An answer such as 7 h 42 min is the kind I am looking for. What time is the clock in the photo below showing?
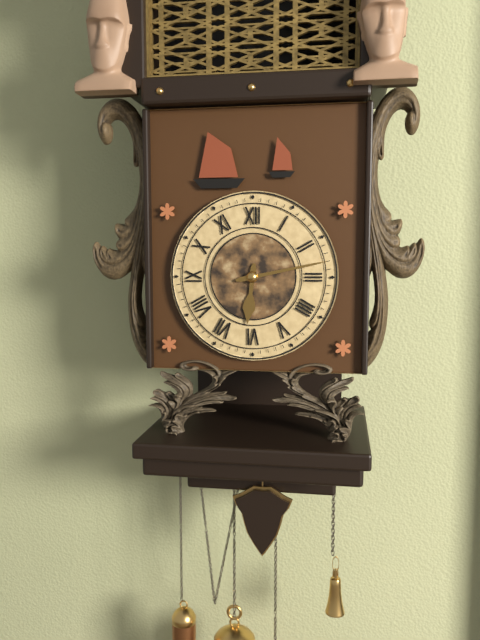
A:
6 h 13 min
